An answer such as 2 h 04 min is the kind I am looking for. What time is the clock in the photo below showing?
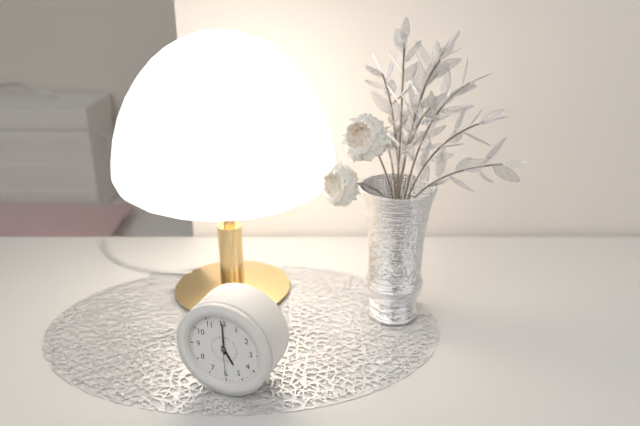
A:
5 h 00 min
